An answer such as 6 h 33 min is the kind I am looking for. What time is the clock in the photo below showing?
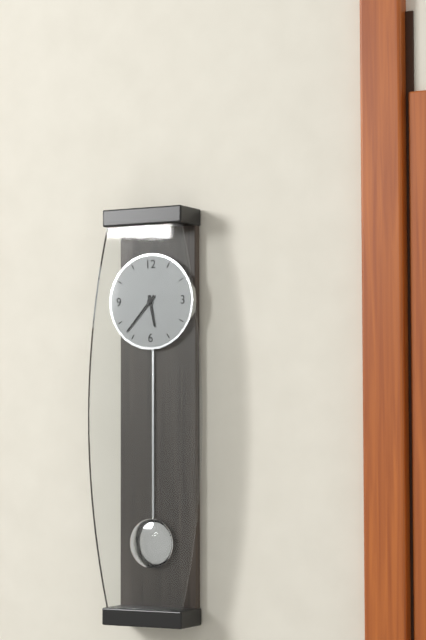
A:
5 h 37 min
